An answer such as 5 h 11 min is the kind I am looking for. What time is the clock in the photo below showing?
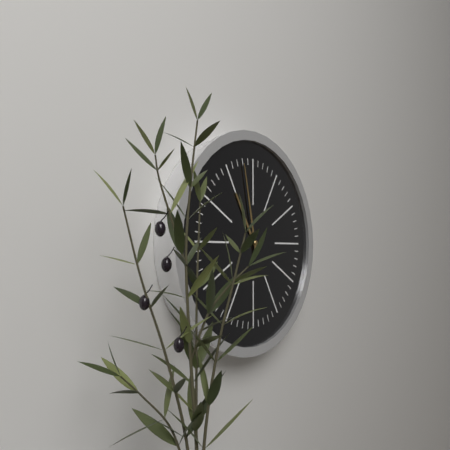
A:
10 h 58 min
